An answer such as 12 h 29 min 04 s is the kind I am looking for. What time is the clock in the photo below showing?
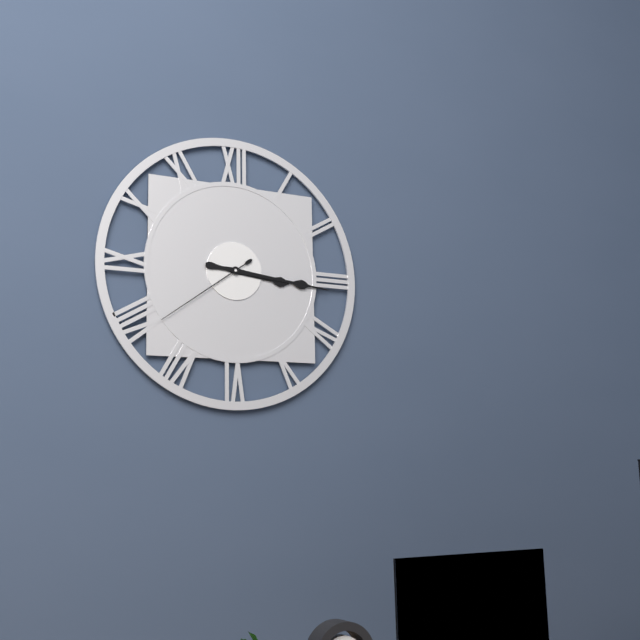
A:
3 h 16 min 39 s
